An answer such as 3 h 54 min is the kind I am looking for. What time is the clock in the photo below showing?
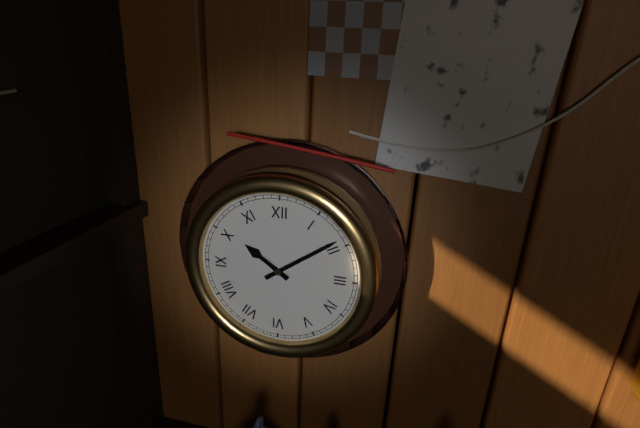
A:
10 h 09 min
